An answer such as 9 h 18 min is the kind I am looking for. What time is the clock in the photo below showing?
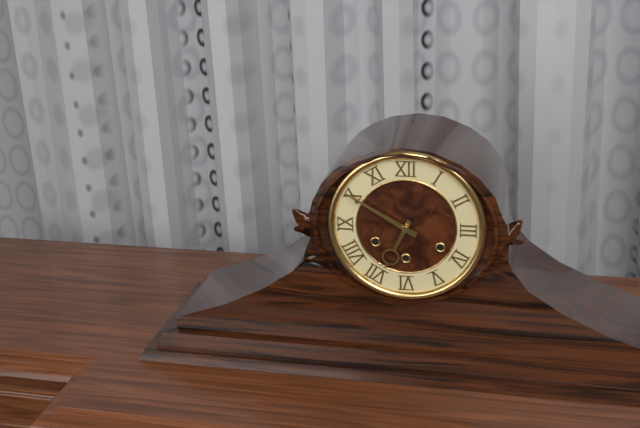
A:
6 h 50 min
